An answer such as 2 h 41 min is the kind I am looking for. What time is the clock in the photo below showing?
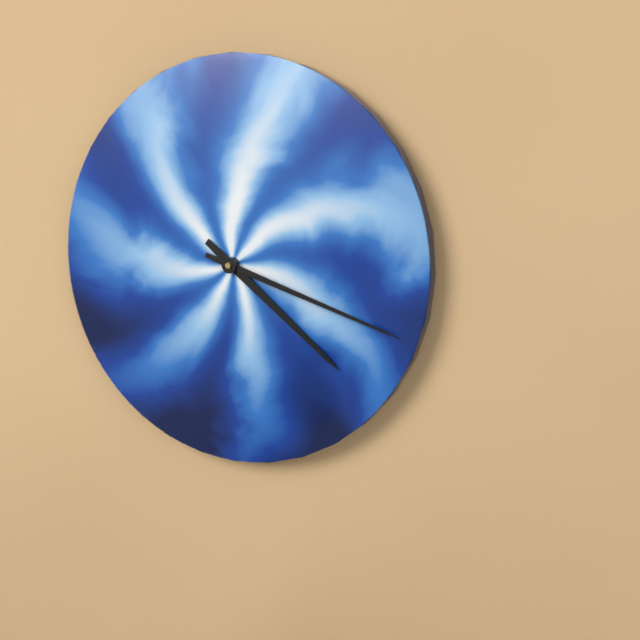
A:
4 h 18 min
